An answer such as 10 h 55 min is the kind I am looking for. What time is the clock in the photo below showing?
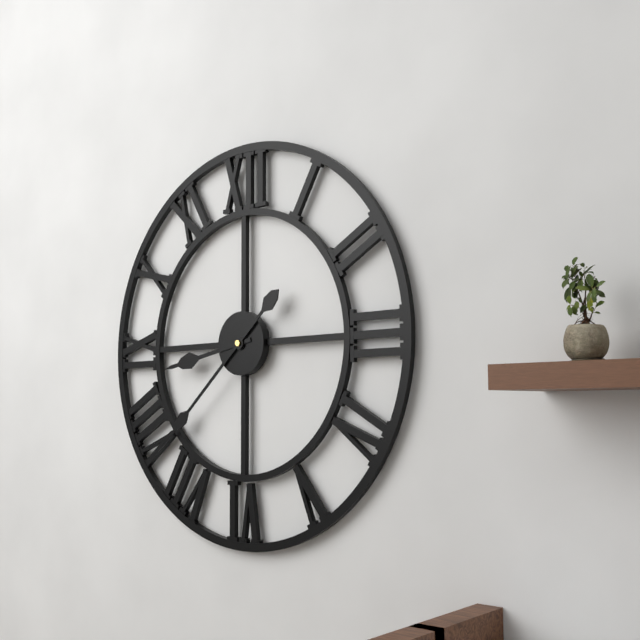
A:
8 h 38 min
